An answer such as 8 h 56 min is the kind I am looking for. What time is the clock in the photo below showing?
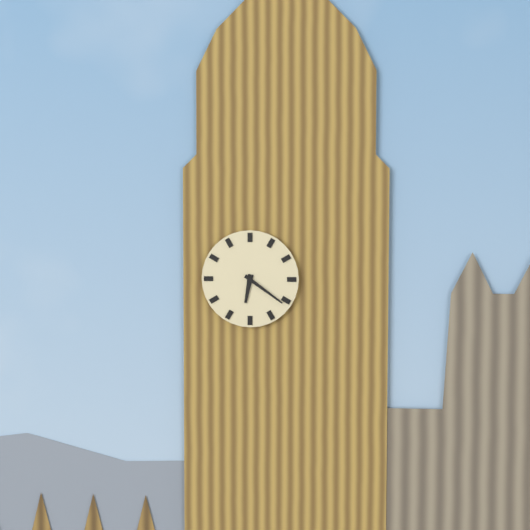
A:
6 h 21 min
